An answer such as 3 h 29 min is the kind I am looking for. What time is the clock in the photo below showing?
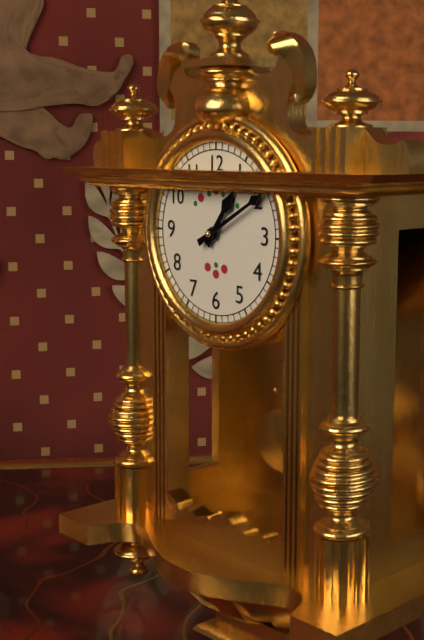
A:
1 h 10 min
